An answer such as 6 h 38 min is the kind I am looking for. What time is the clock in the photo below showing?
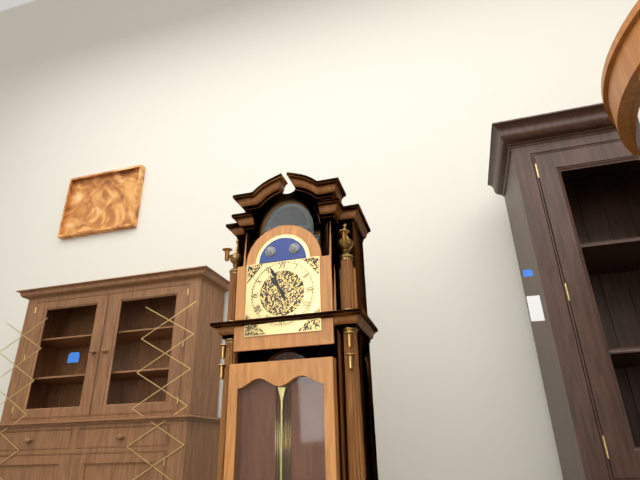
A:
10 h 56 min
